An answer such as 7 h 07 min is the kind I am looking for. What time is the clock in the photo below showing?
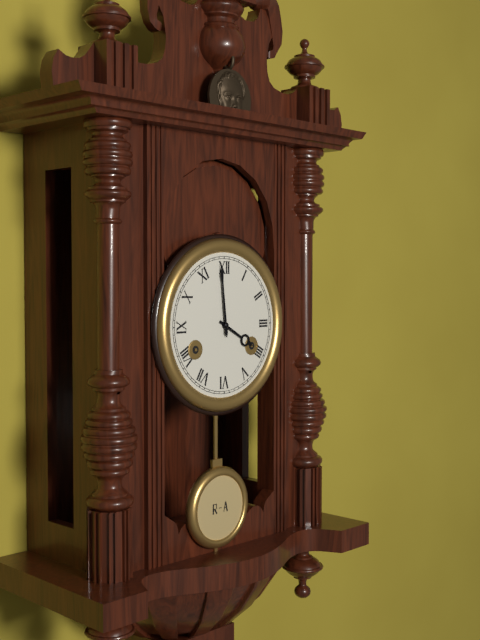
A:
3 h 59 min
